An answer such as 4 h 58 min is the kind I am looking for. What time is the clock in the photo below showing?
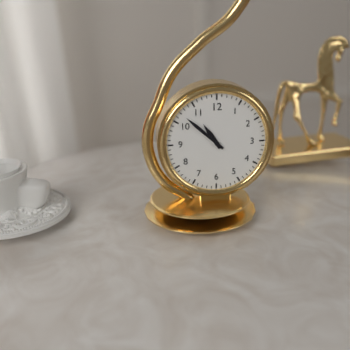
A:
10 h 52 min
